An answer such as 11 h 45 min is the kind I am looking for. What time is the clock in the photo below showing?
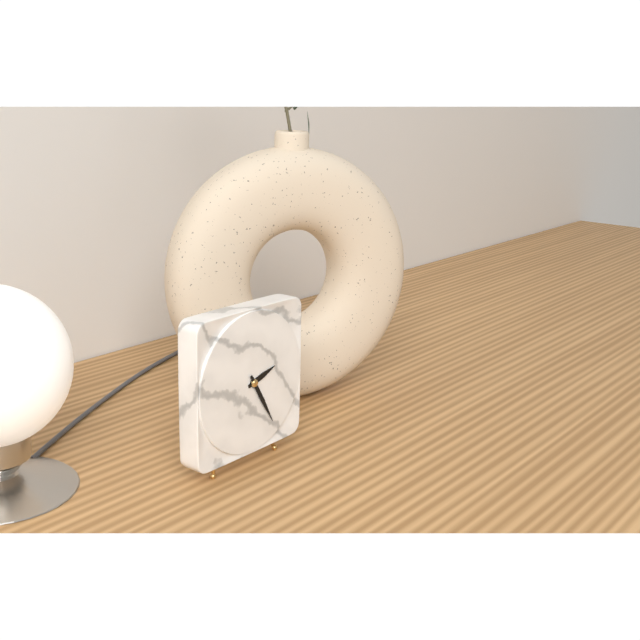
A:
2 h 25 min
